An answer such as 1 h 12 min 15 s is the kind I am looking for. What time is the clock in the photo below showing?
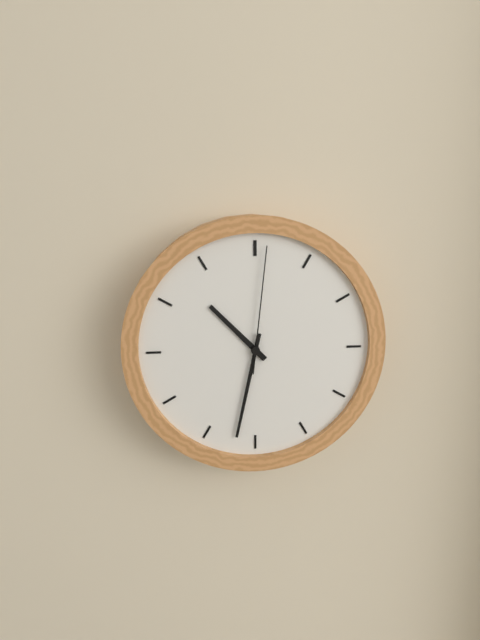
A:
10 h 32 min 01 s
